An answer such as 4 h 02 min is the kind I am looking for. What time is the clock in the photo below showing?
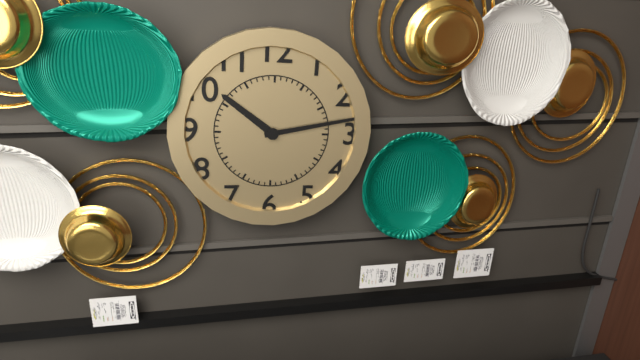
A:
10 h 13 min
